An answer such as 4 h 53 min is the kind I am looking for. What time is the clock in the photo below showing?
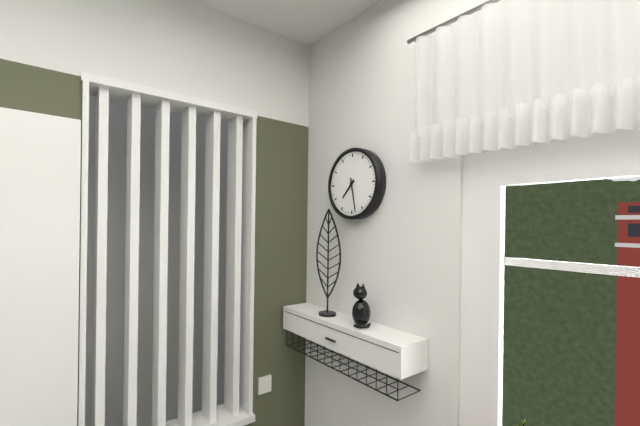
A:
7 h 28 min
